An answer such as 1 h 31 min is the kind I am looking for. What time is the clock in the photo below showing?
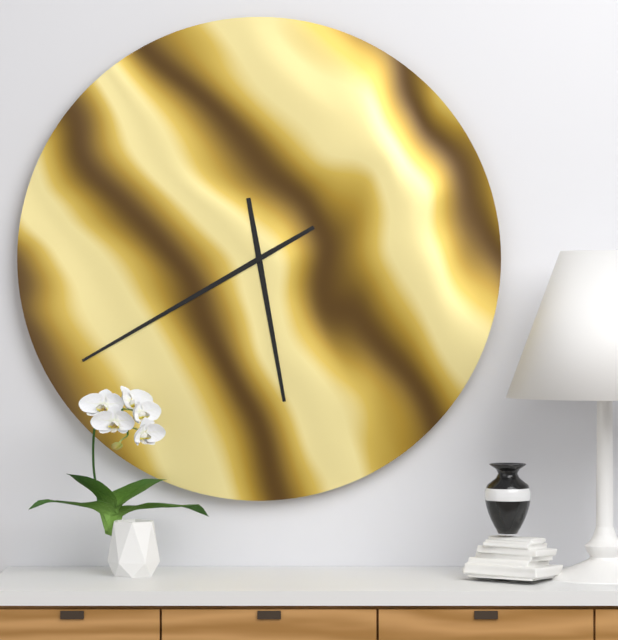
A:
5 h 40 min
